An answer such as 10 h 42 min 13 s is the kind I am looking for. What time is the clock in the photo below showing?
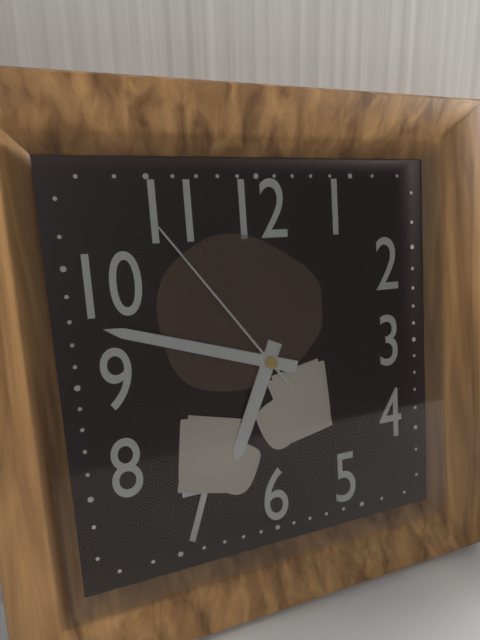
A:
6 h 48 min 54 s
